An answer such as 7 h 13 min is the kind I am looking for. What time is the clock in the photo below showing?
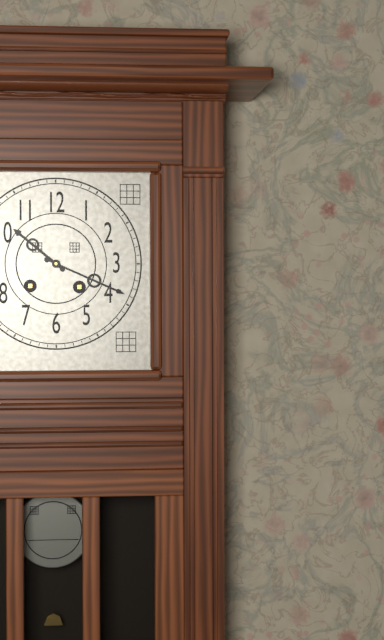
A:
10 h 19 min
